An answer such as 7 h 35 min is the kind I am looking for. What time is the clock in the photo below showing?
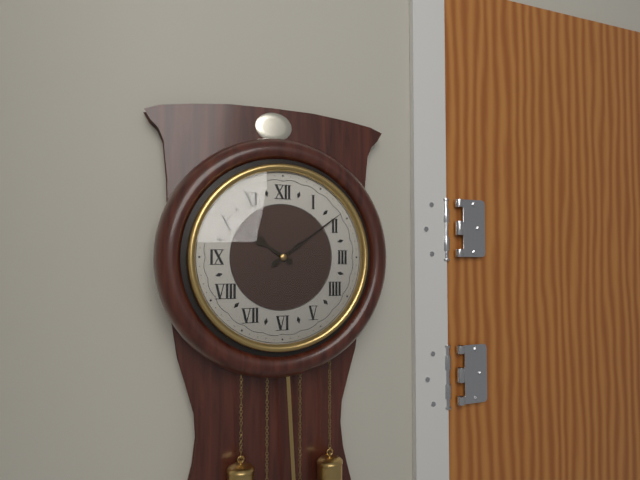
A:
10 h 09 min
